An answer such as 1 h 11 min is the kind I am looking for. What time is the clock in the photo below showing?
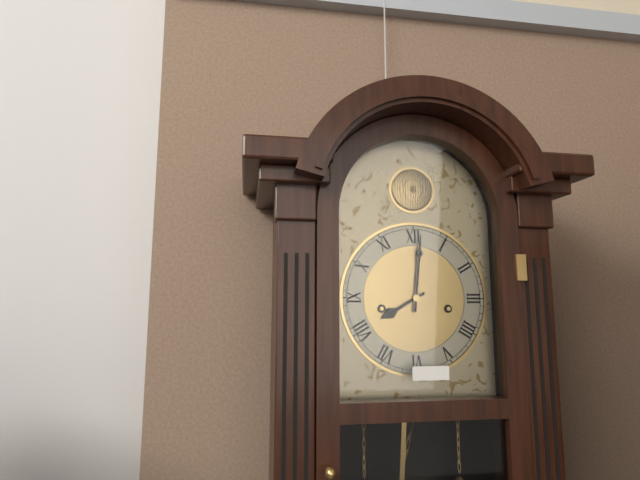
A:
8 h 01 min
